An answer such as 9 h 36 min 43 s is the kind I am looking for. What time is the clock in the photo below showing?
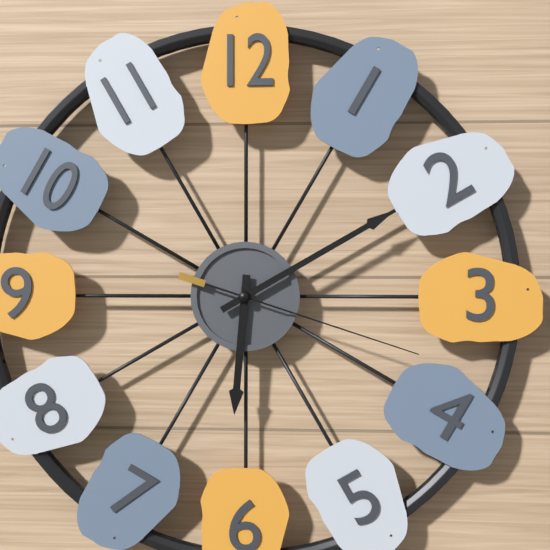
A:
6 h 10 min 18 s
